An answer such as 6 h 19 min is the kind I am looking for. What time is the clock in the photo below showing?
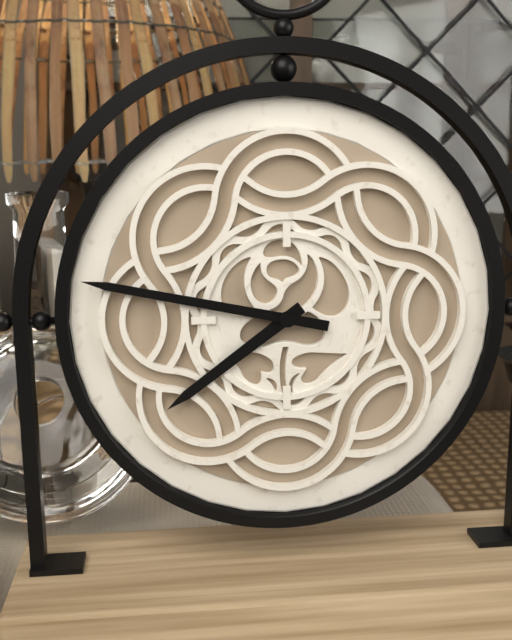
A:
7 h 47 min
